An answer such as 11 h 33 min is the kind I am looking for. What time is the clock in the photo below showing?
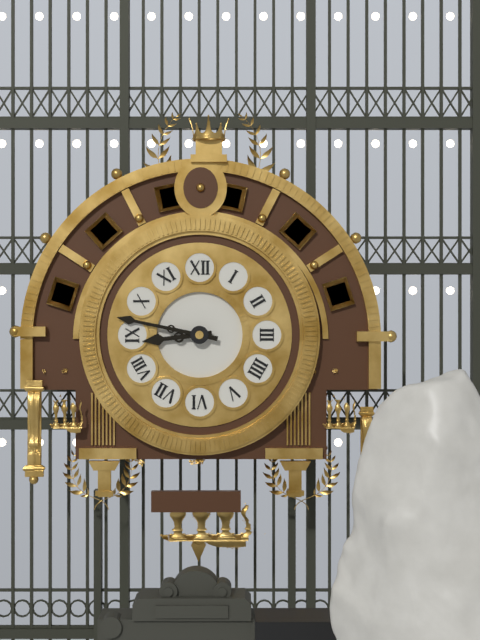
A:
8 h 47 min
